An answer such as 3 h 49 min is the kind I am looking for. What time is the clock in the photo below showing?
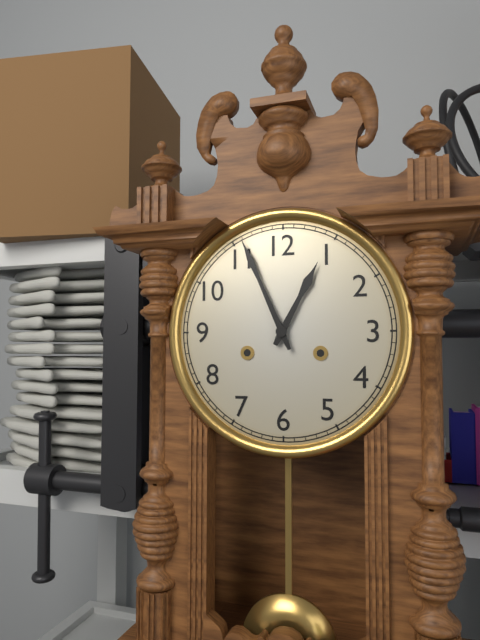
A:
12 h 56 min
